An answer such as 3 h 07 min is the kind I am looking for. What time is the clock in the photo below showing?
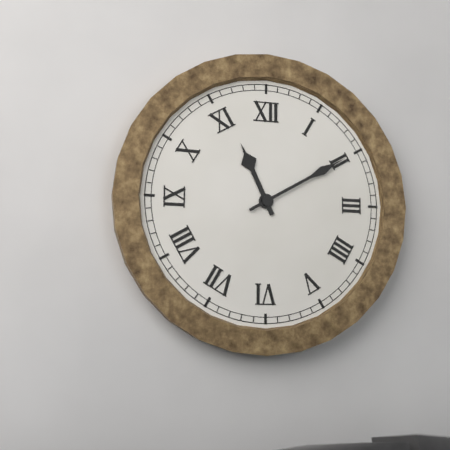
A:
11 h 10 min
